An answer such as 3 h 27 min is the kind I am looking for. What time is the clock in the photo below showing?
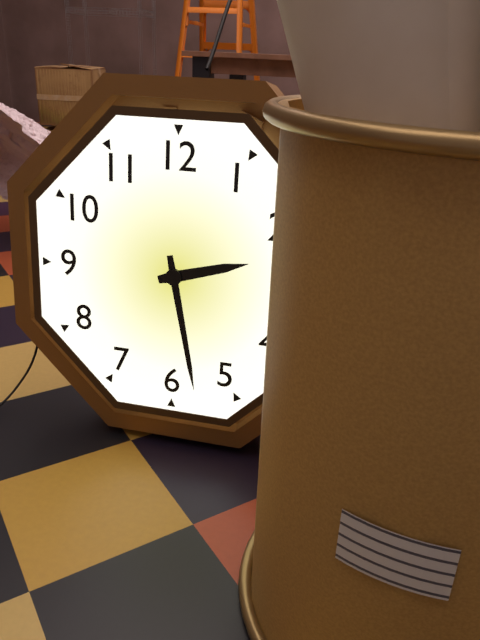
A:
2 h 28 min
